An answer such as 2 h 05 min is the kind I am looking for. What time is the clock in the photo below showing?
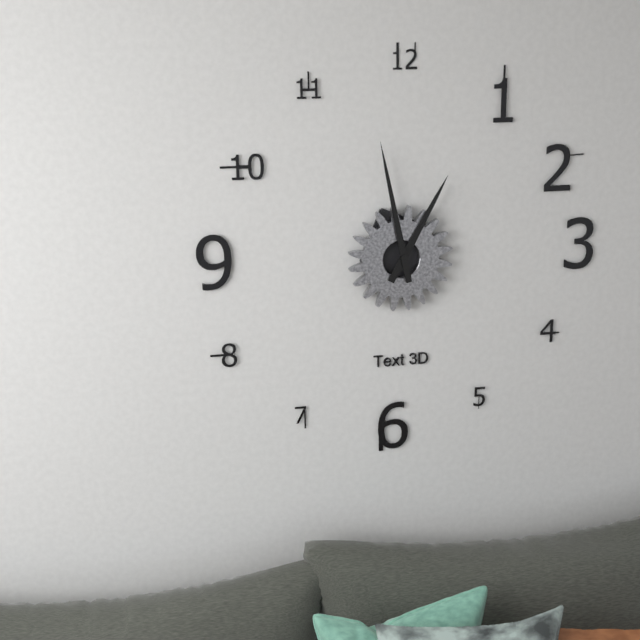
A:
12 h 58 min
